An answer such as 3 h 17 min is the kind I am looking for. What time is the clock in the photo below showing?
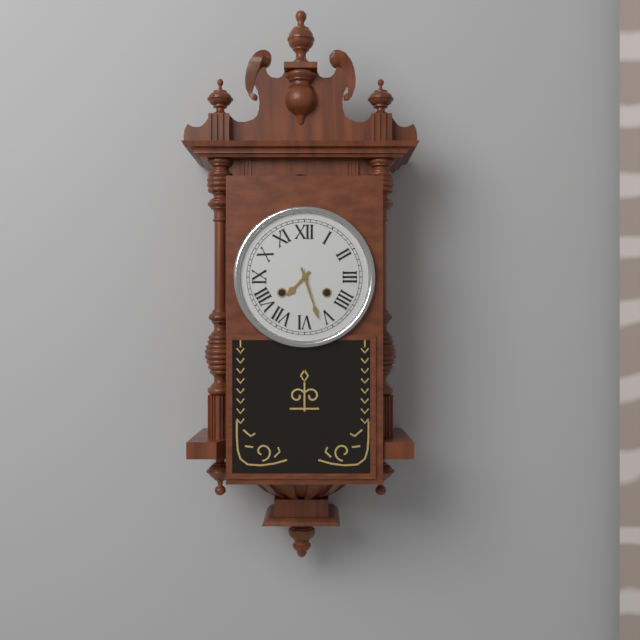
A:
7 h 27 min
